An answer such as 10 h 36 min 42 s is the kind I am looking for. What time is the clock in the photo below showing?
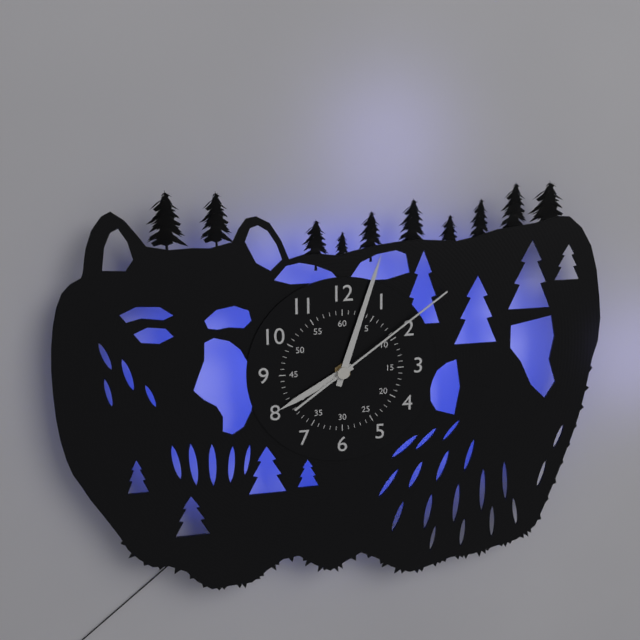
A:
8 h 03 min 09 s
